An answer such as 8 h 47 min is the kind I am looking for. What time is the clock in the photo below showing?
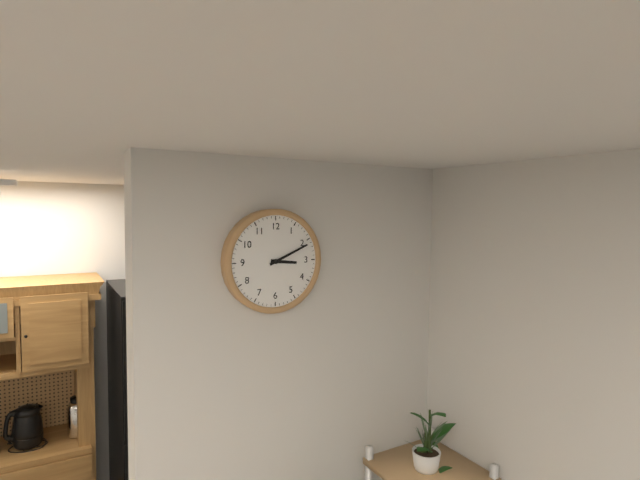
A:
3 h 11 min
